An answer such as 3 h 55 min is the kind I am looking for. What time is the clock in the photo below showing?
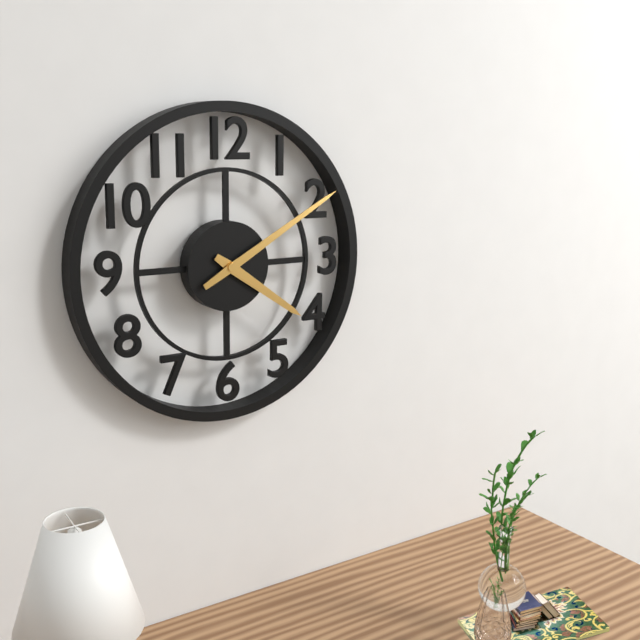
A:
4 h 10 min
